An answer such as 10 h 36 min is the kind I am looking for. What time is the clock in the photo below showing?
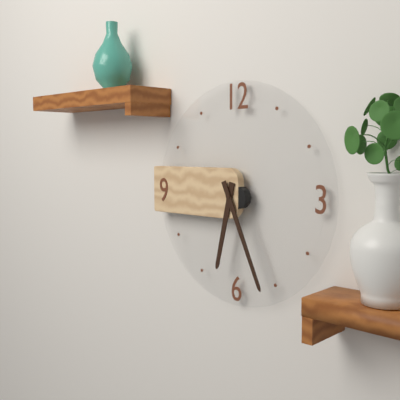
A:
6 h 26 min
